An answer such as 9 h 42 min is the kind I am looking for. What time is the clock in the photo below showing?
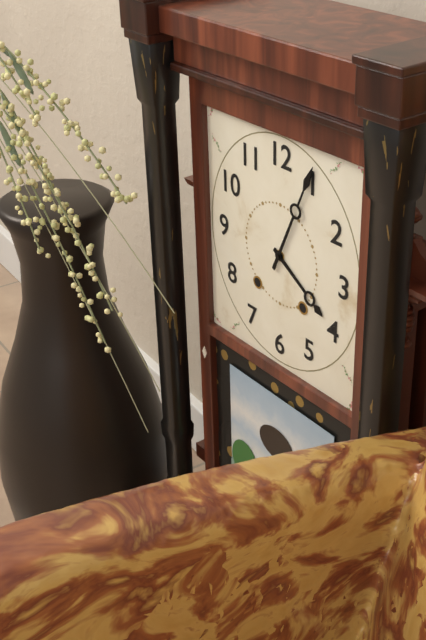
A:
4 h 04 min
